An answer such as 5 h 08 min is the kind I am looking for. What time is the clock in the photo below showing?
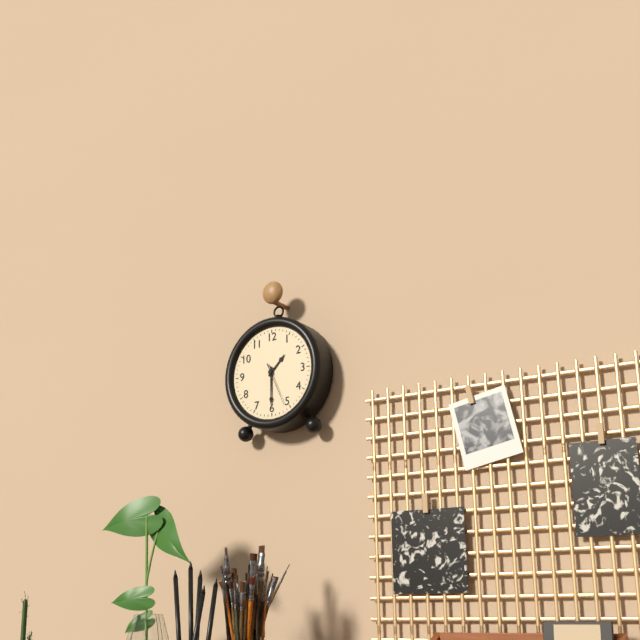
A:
1 h 30 min
